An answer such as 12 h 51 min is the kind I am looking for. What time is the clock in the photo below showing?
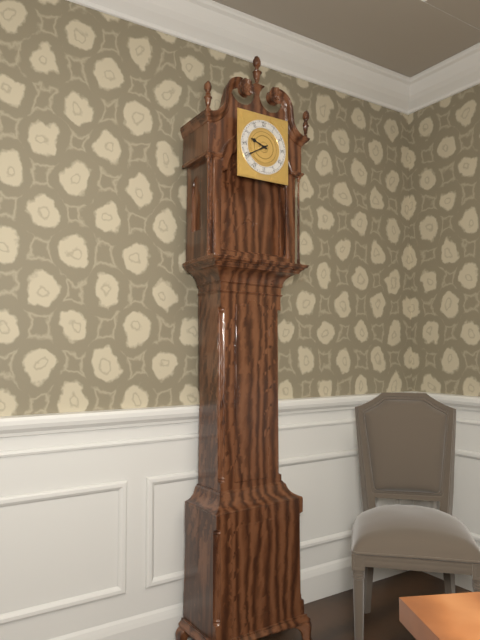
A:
9 h 40 min
